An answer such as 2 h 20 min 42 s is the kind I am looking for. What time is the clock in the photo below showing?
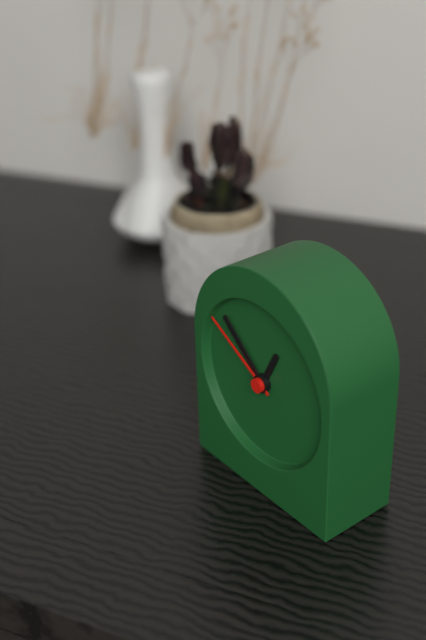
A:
12 h 52 min 50 s
